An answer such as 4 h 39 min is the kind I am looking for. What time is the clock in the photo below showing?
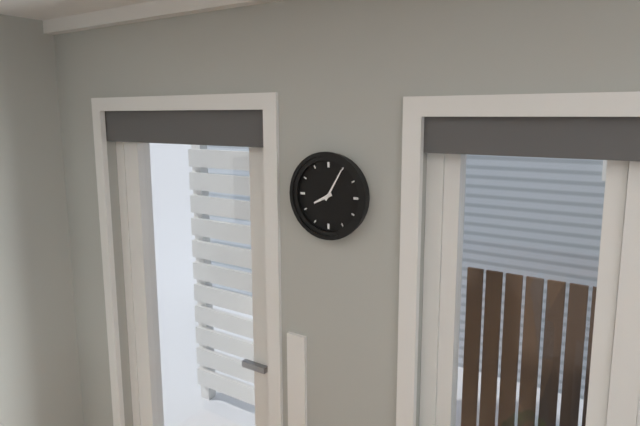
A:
8 h 05 min
